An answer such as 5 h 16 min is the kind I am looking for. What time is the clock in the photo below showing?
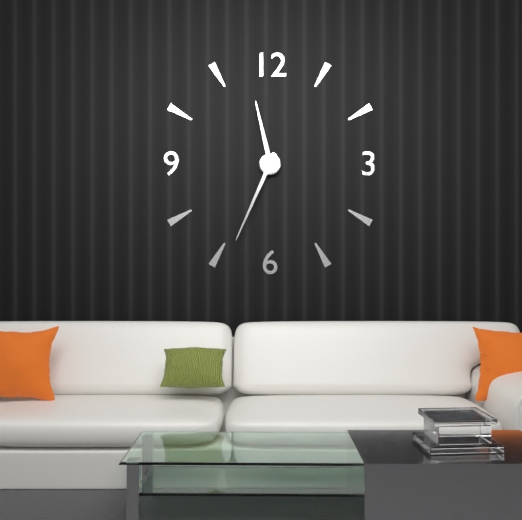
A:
11 h 34 min
